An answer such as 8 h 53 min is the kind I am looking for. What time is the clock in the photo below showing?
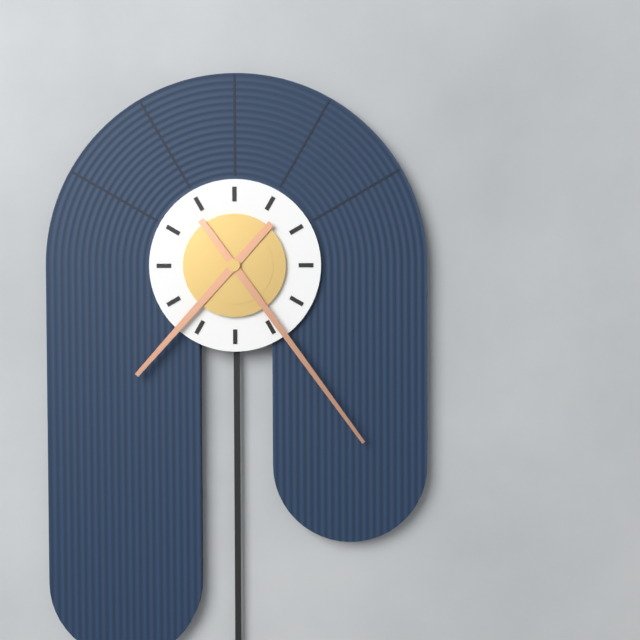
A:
7 h 24 min
